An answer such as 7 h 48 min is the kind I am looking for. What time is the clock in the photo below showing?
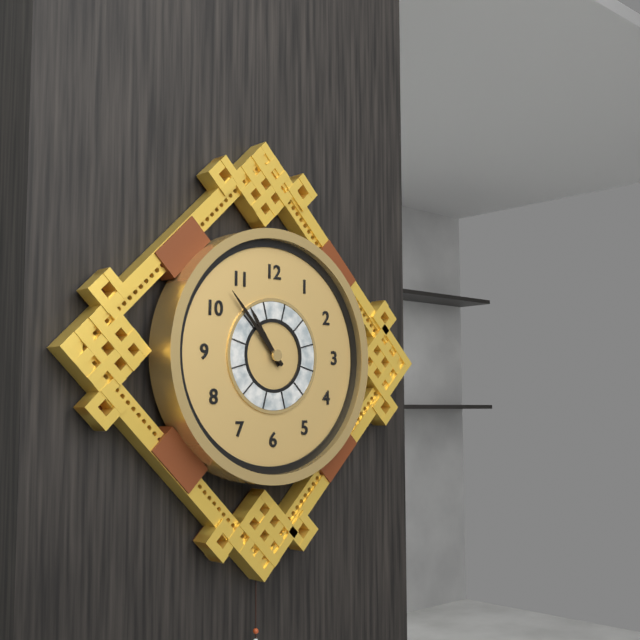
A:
10 h 53 min
